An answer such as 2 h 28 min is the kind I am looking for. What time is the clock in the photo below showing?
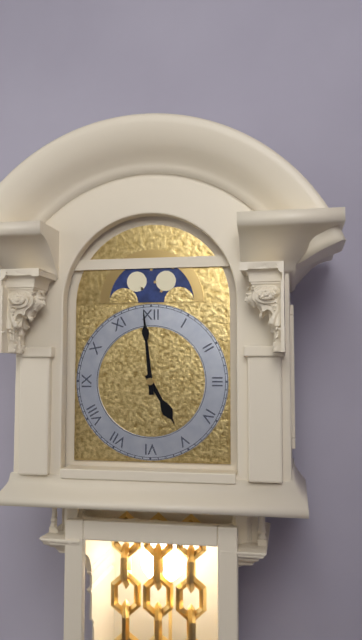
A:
4 h 59 min
